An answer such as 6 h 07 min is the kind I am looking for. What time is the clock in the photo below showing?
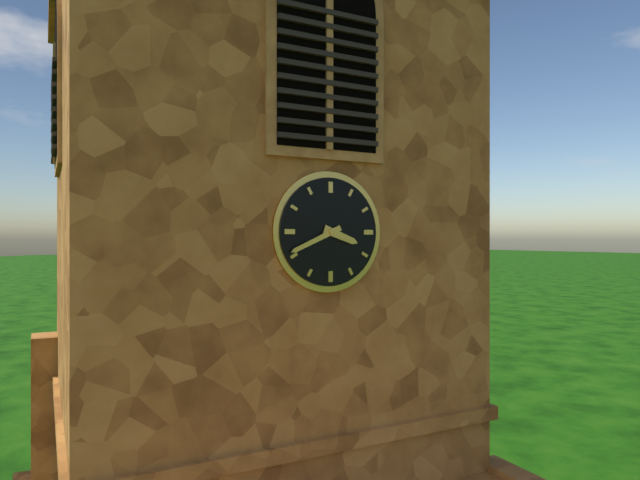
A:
3 h 41 min
